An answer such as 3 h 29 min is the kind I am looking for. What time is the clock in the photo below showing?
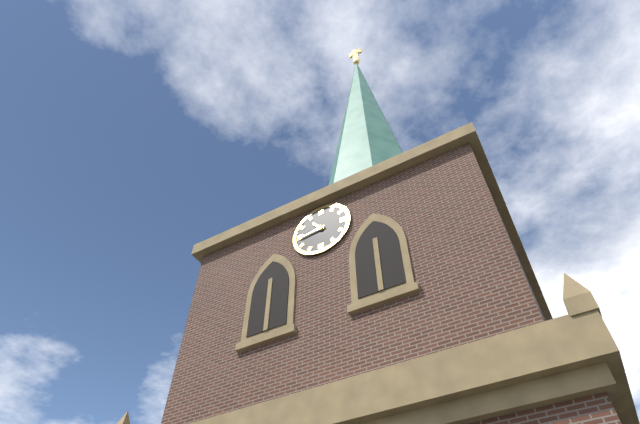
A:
10 h 44 min
